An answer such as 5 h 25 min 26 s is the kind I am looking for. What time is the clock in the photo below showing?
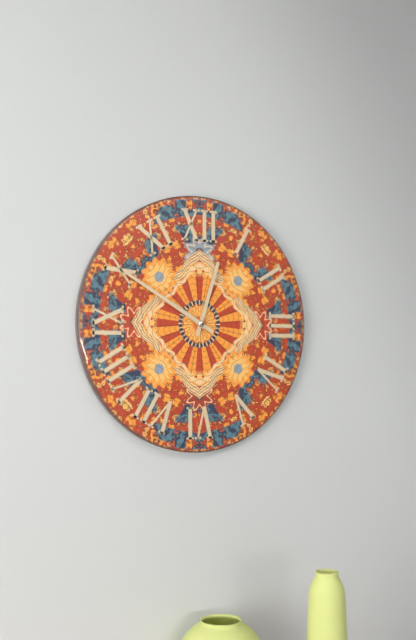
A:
10 h 03 min 50 s
